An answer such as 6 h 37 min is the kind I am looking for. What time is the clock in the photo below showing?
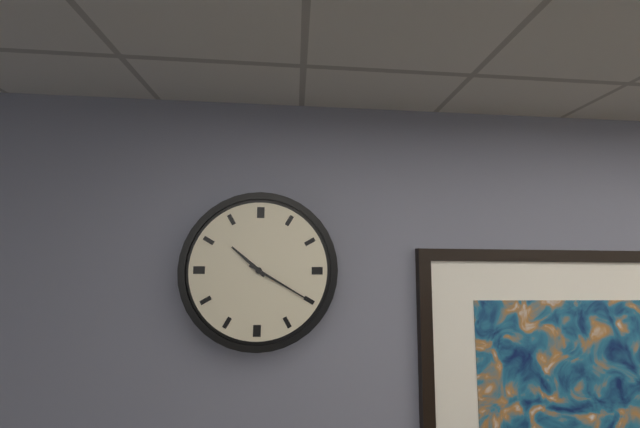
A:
10 h 20 min
